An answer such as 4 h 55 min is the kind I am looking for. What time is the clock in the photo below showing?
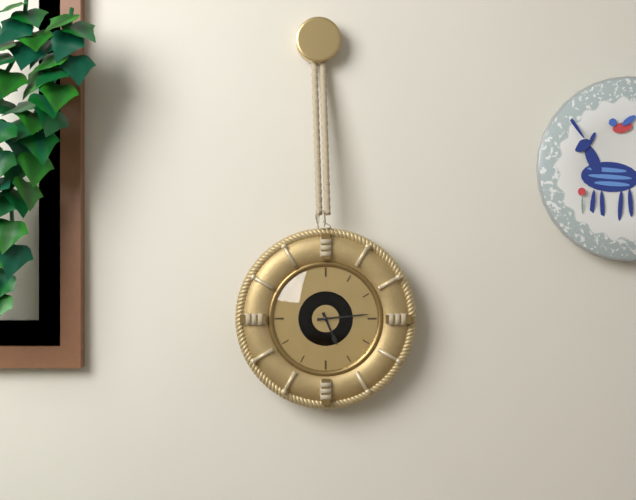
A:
5 h 14 min
